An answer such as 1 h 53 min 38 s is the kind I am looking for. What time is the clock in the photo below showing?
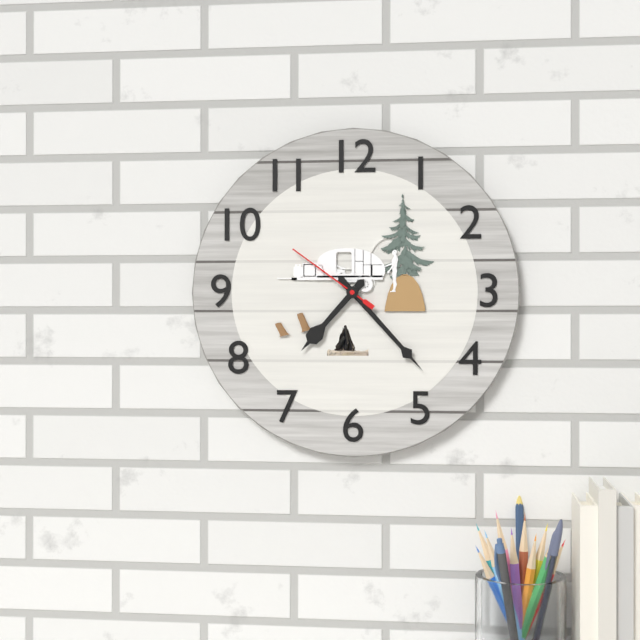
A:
7 h 23 min 51 s
